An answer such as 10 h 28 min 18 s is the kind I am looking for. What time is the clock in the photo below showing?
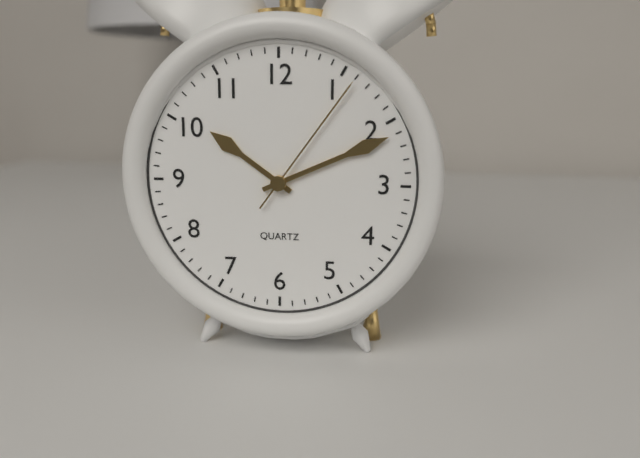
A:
10 h 11 min 06 s
